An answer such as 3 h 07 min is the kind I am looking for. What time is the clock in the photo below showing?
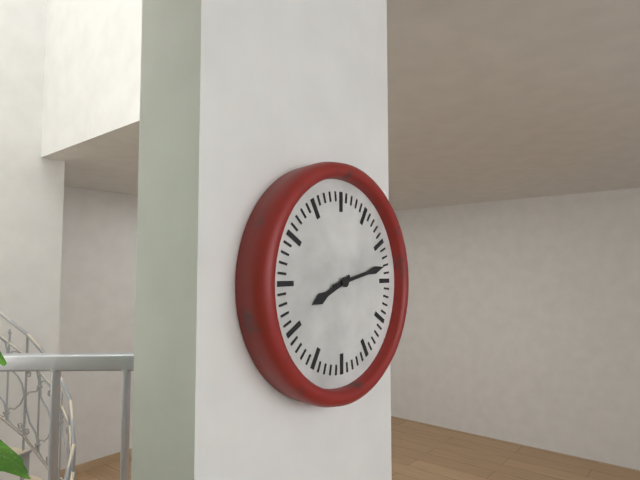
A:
8 h 13 min
